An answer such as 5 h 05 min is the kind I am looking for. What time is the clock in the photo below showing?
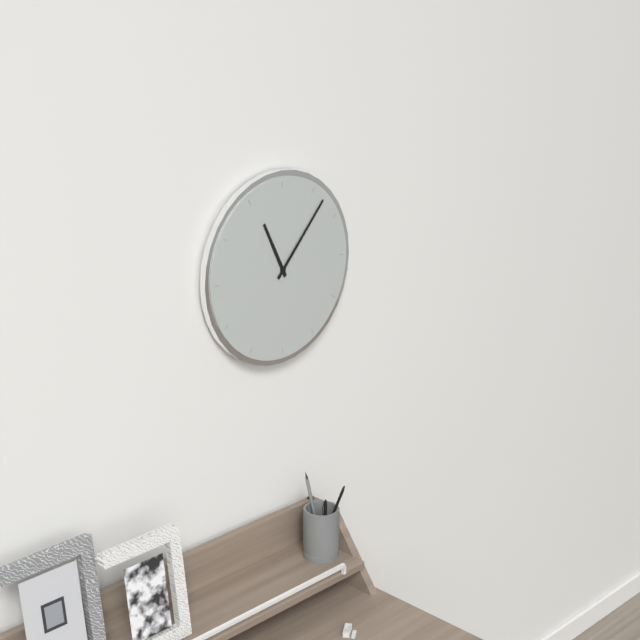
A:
11 h 07 min
